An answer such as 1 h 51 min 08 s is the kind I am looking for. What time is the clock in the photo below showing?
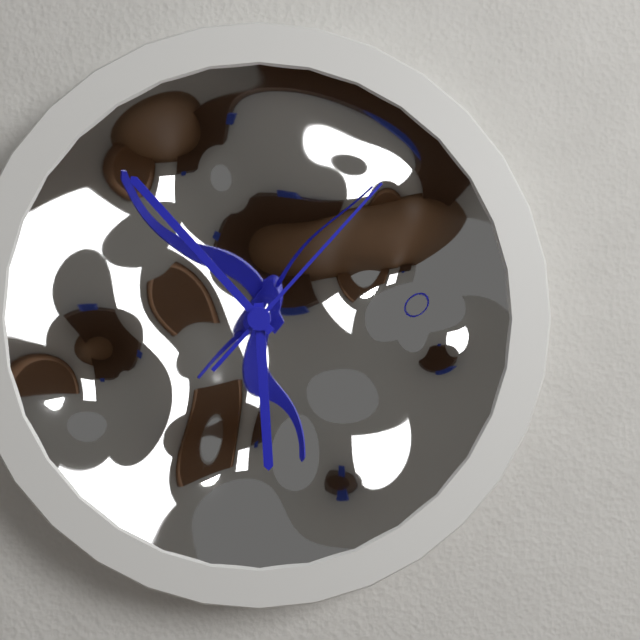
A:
5 h 53 min 07 s
